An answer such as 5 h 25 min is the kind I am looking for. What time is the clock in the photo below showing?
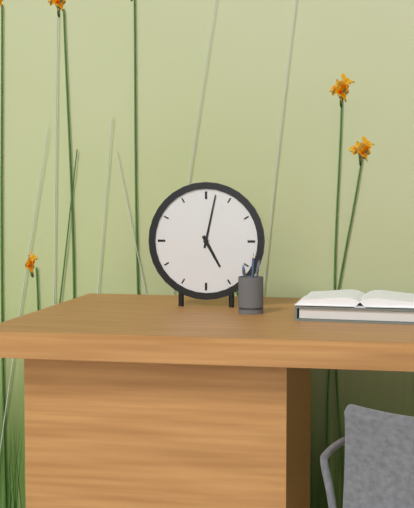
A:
5 h 02 min
